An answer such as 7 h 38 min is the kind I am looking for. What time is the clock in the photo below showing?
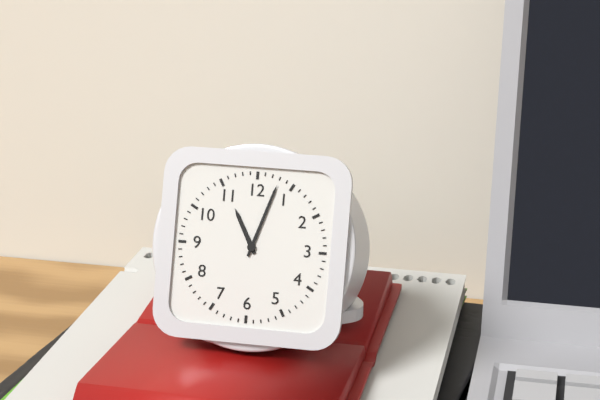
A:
11 h 03 min
